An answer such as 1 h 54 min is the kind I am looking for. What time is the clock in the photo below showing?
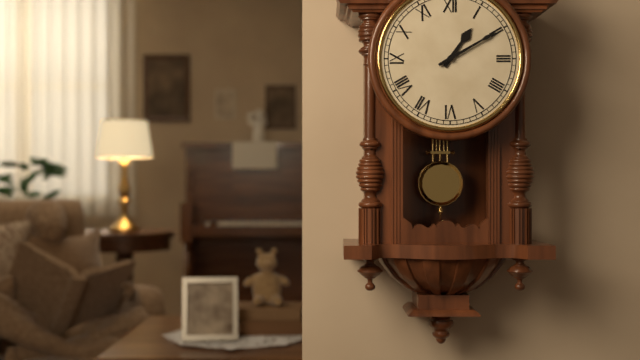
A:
1 h 10 min
